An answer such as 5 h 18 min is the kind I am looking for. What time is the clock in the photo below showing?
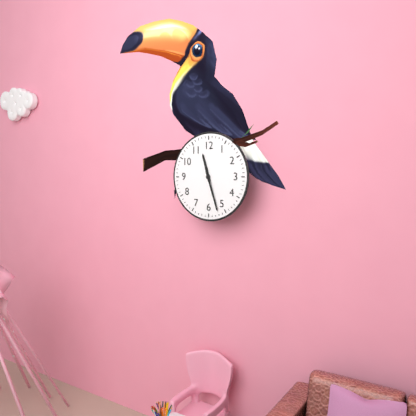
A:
11 h 27 min
